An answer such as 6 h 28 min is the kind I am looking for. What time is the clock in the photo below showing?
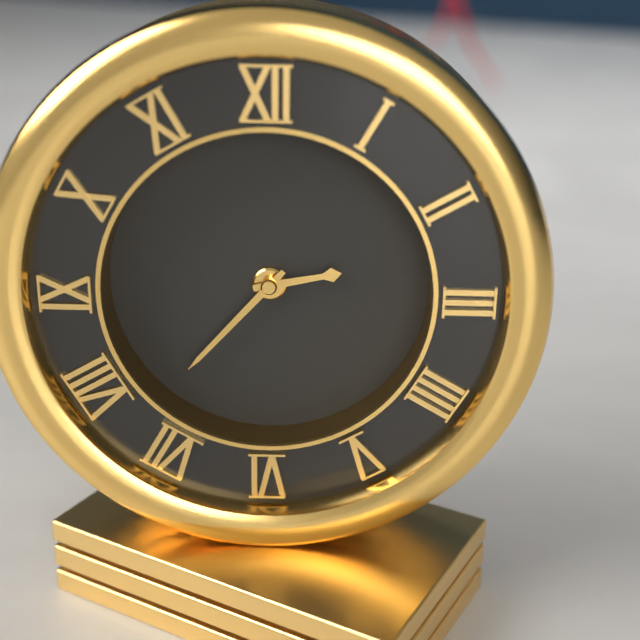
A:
2 h 37 min
